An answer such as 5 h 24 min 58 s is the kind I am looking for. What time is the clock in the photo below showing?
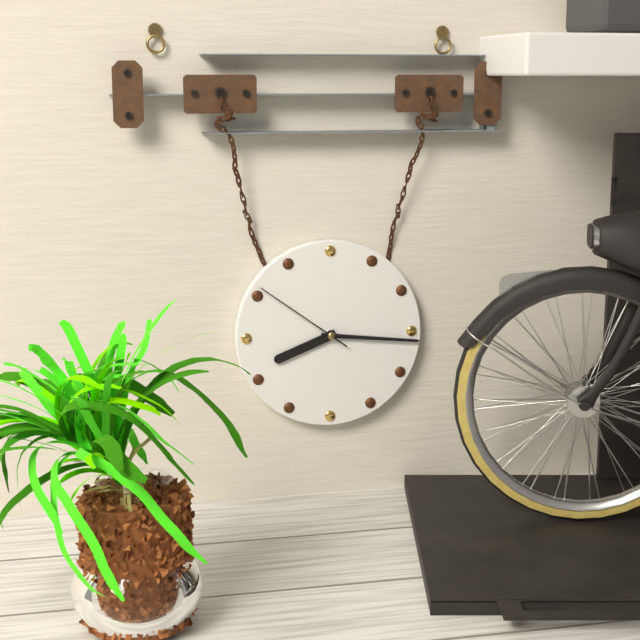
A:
8 h 16 min 51 s
